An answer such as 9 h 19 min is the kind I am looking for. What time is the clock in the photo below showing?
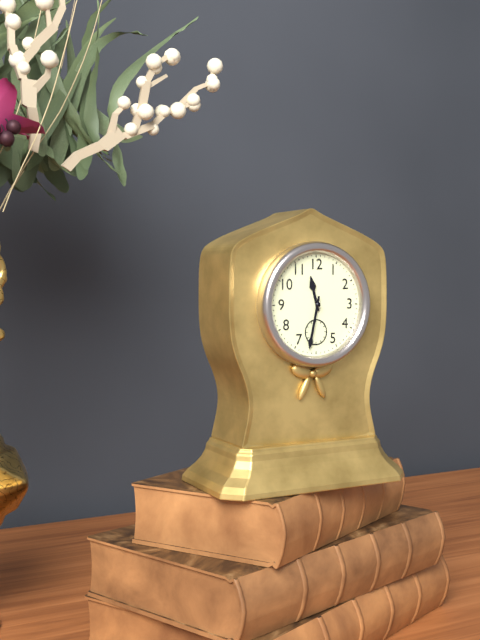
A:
11 h 32 min
